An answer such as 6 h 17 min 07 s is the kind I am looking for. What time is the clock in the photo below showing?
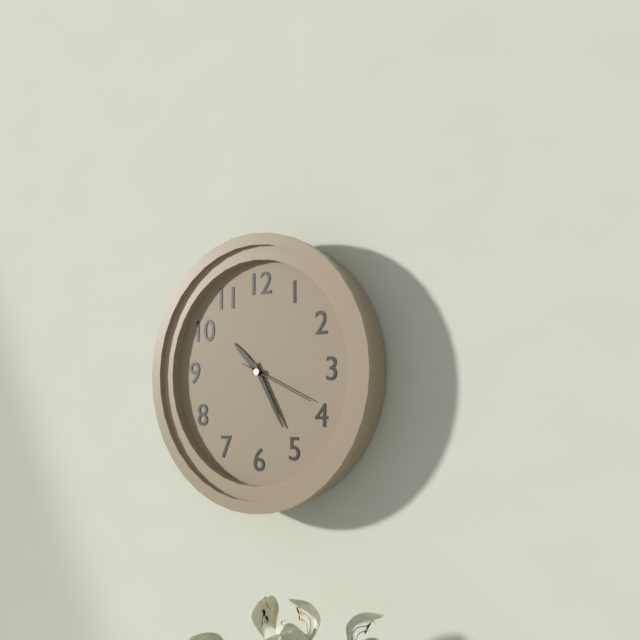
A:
10 h 25 min 19 s
